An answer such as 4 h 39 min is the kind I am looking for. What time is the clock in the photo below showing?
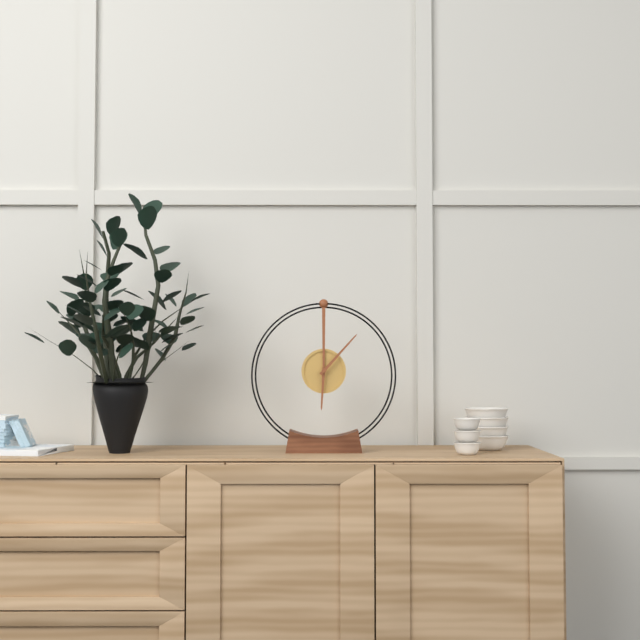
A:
6 h 07 min
